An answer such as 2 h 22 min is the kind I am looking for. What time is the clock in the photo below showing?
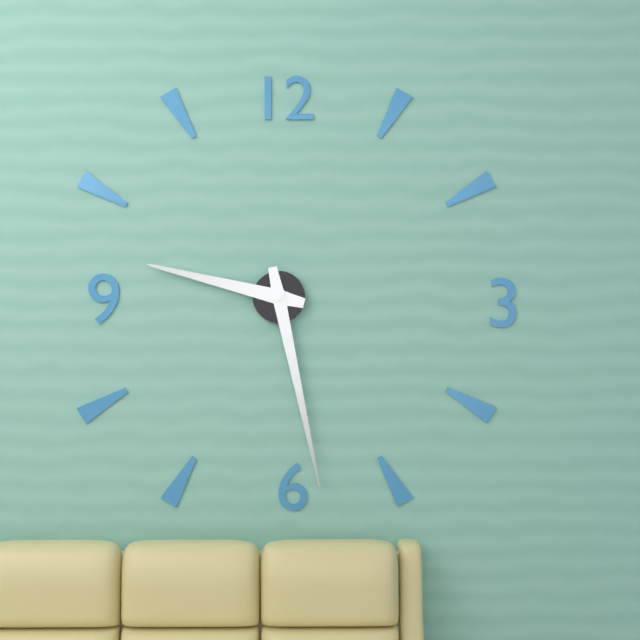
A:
9 h 28 min
